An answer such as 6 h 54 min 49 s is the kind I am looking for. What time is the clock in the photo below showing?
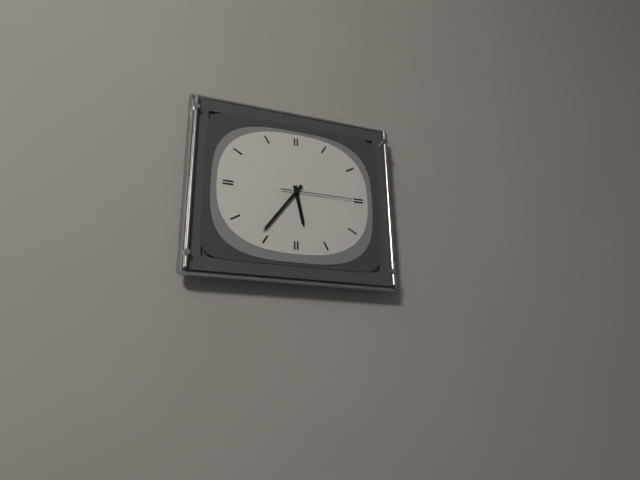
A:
5 h 36 min 15 s
